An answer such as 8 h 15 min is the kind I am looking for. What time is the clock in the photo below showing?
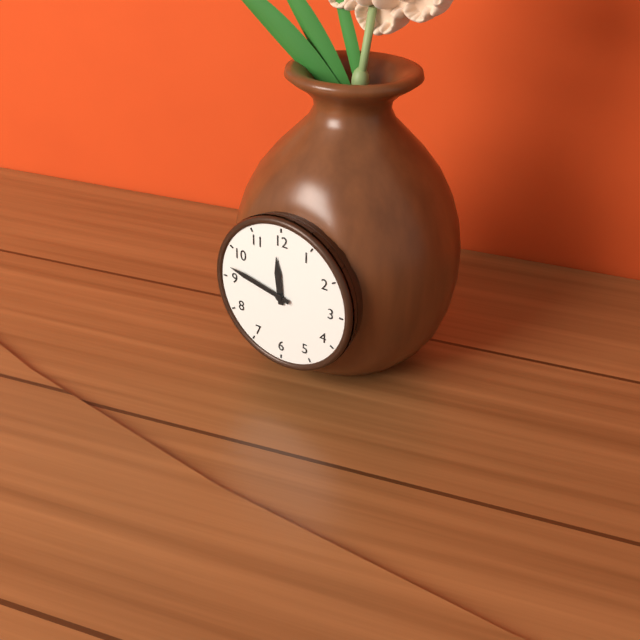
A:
11 h 47 min
